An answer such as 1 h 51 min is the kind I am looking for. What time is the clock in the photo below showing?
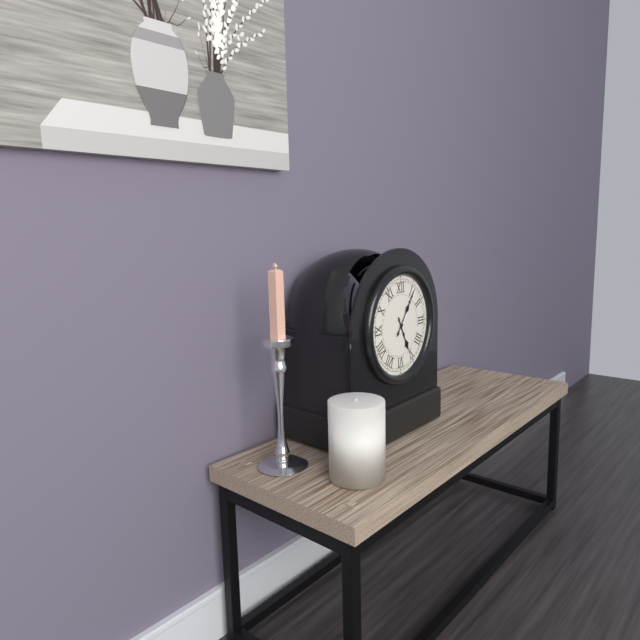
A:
5 h 06 min
